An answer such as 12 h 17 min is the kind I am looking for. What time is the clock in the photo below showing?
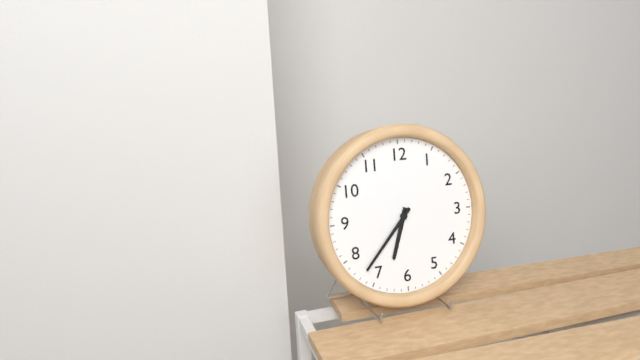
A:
6 h 37 min
